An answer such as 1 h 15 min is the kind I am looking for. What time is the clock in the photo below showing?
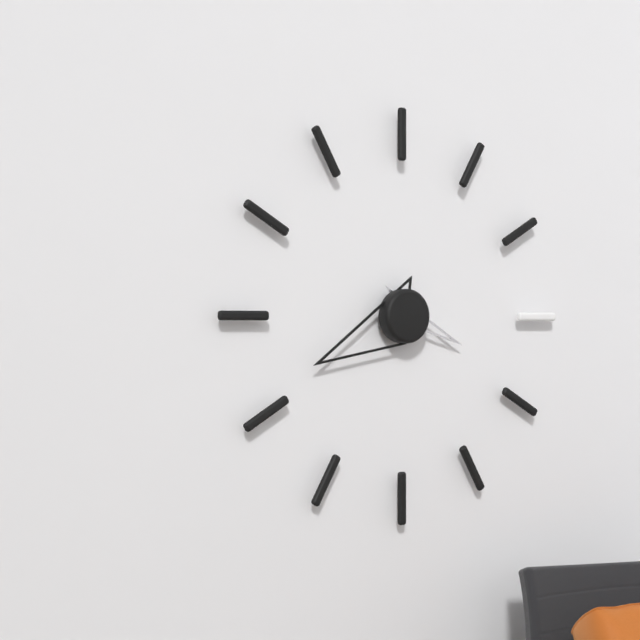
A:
3 h 41 min
